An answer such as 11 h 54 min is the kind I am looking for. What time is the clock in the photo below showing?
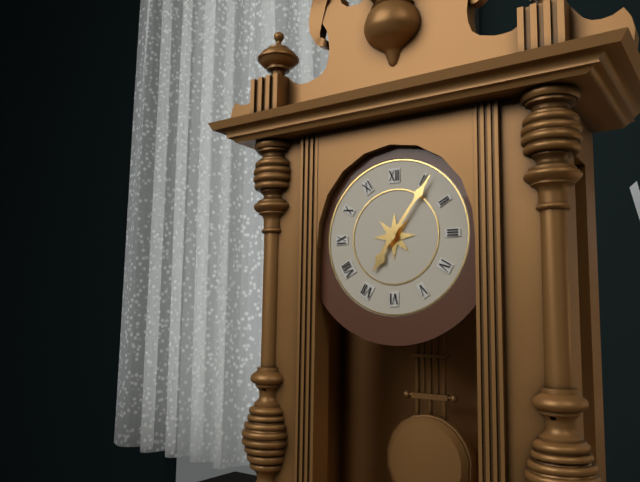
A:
7 h 06 min
